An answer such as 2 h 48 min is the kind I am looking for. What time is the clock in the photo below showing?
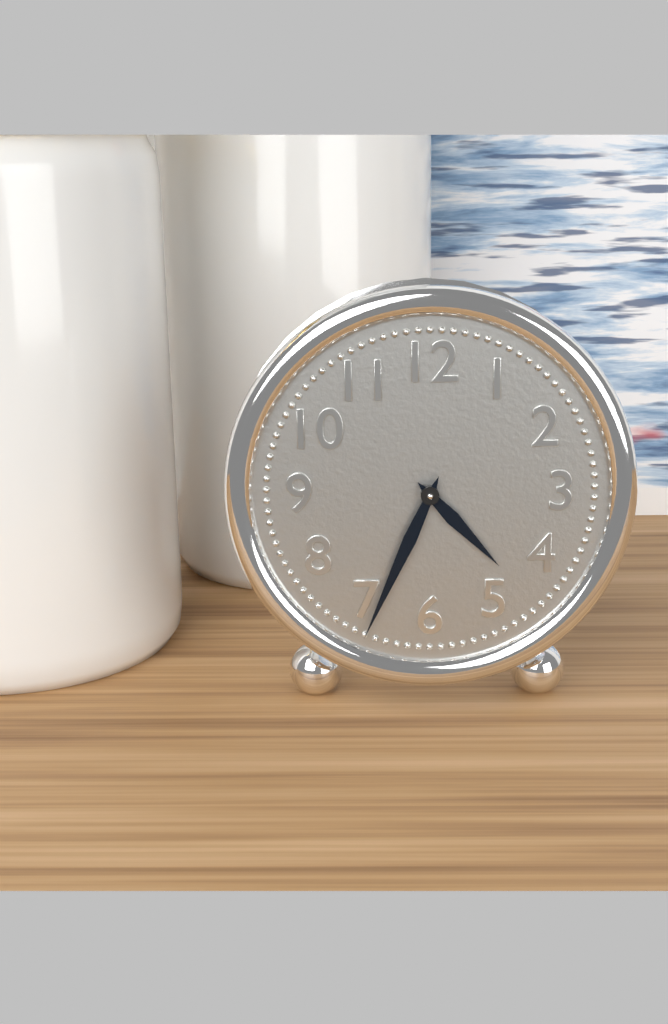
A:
4 h 34 min
